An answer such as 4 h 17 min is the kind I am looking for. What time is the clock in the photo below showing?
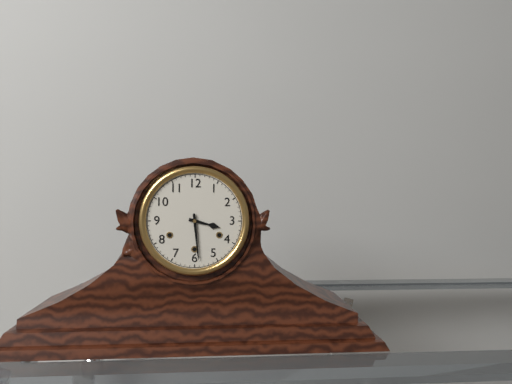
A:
3 h 29 min
